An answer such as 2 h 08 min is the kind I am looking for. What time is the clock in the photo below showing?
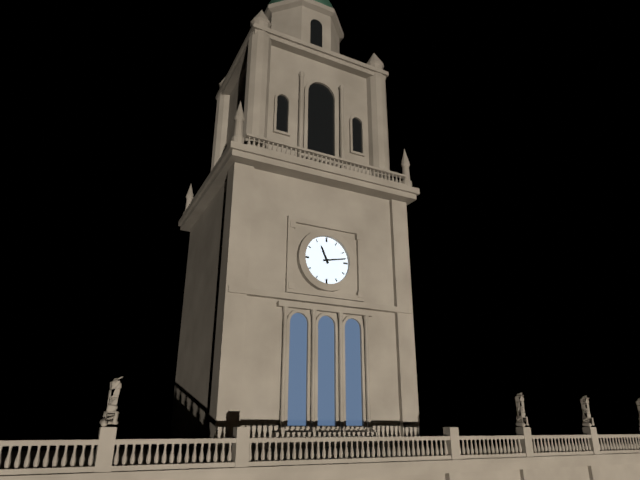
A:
11 h 13 min
